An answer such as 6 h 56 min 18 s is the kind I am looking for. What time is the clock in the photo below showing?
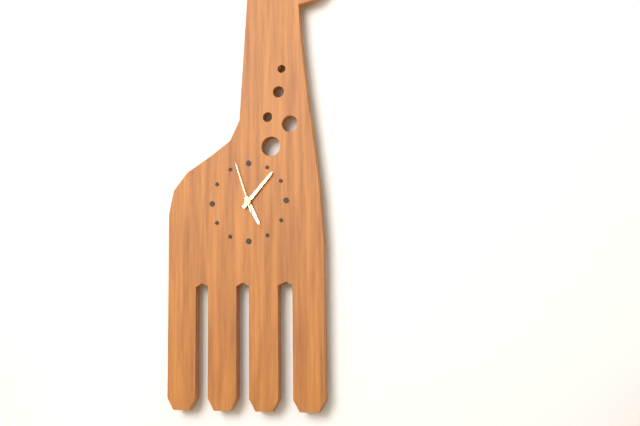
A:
5 h 07 min 57 s
